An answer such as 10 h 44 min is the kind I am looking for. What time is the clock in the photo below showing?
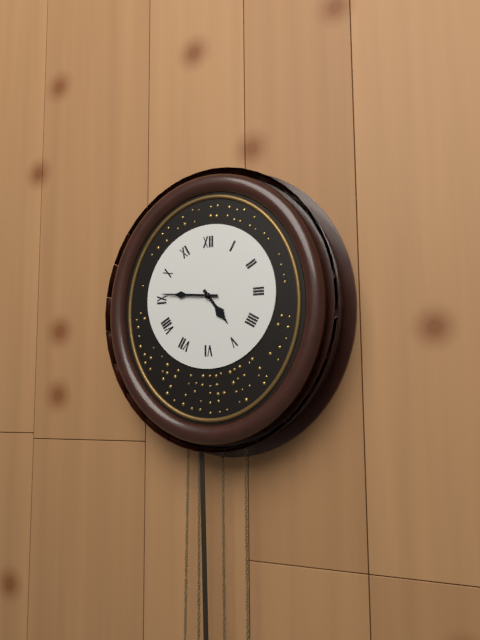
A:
4 h 46 min
